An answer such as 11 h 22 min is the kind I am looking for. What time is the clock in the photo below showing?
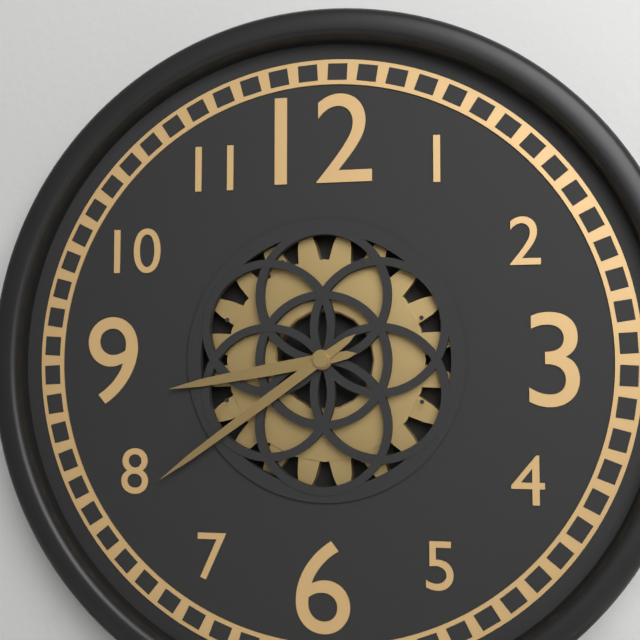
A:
8 h 39 min
